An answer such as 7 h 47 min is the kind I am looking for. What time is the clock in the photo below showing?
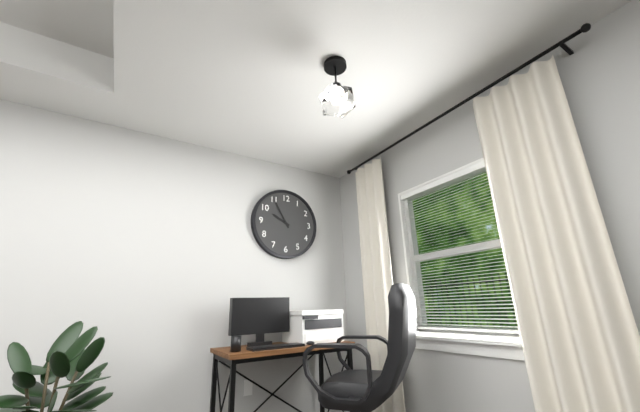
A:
9 h 55 min
